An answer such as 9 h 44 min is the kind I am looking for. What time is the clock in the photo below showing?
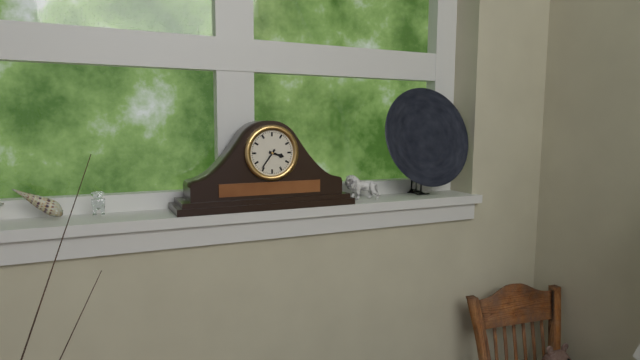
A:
3 h 36 min
